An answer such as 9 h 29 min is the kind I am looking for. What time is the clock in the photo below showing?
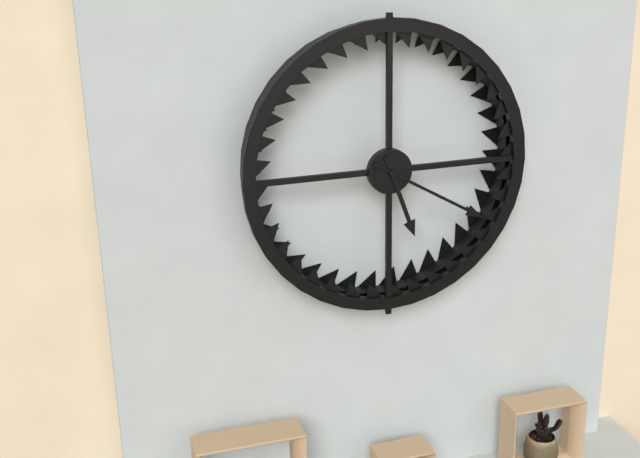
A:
5 h 20 min
